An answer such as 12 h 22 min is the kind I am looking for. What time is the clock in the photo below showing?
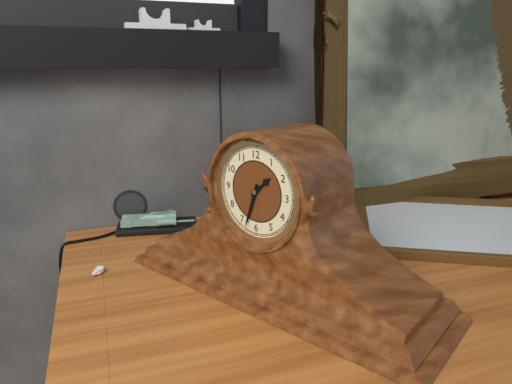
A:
1 h 33 min
